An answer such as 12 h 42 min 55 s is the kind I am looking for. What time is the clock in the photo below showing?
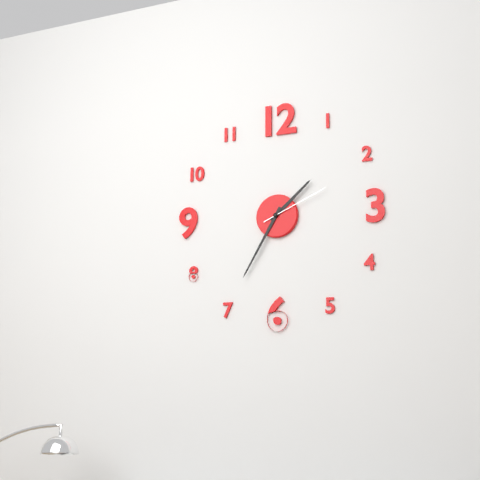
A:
1 h 35 min 11 s
